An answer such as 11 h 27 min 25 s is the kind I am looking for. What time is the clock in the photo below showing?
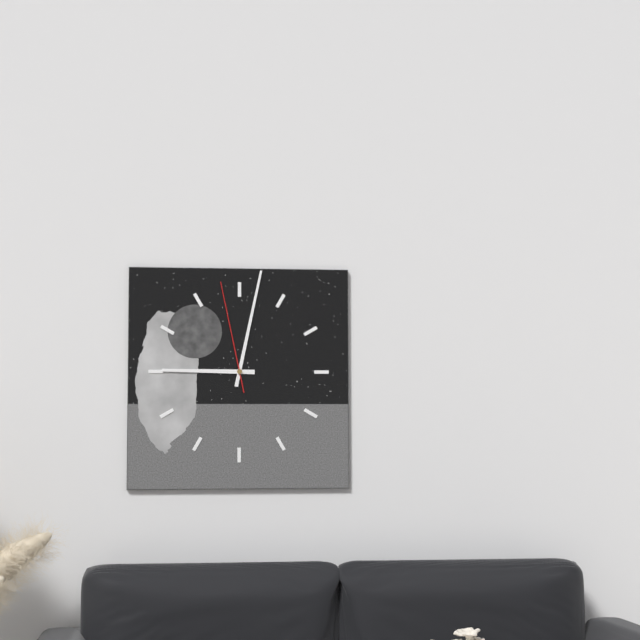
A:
9 h 02 min 58 s
